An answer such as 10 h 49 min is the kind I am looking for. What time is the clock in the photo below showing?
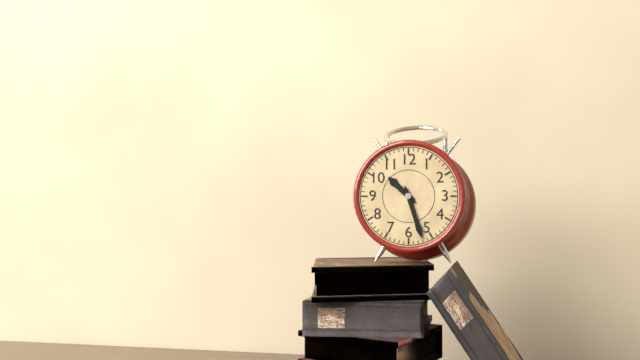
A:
10 h 27 min
